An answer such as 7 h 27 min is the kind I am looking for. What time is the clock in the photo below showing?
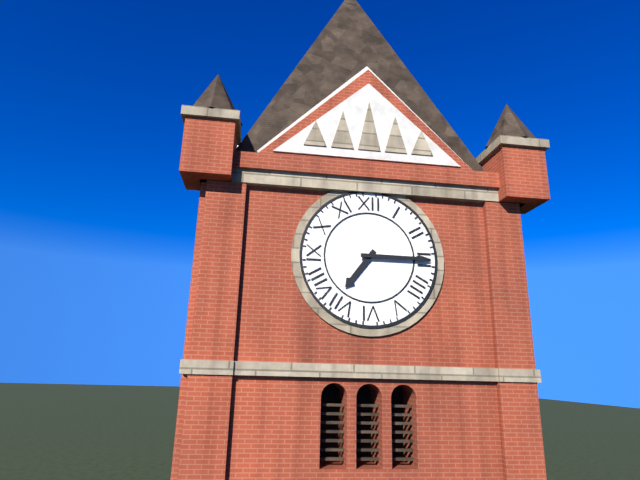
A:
7 h 15 min
